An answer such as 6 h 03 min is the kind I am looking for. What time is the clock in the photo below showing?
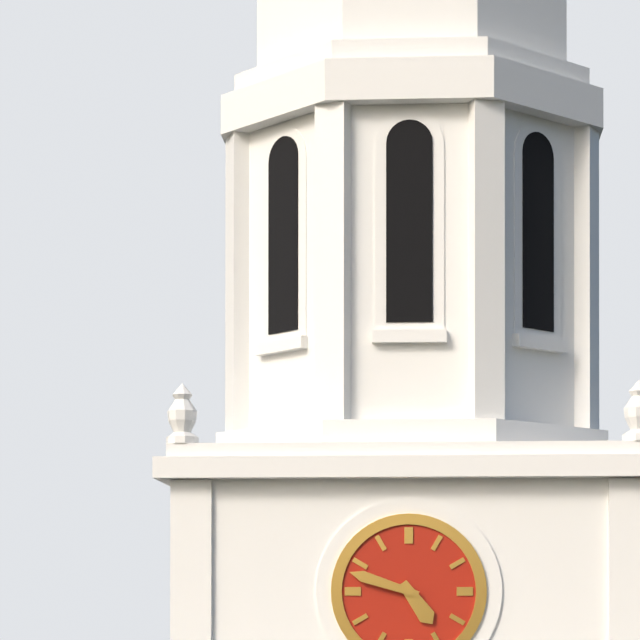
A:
4 h 48 min
